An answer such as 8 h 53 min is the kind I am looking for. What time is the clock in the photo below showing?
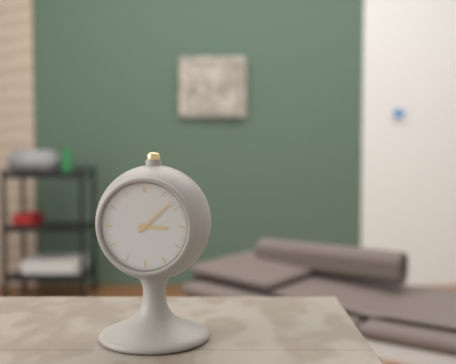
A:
3 h 08 min
